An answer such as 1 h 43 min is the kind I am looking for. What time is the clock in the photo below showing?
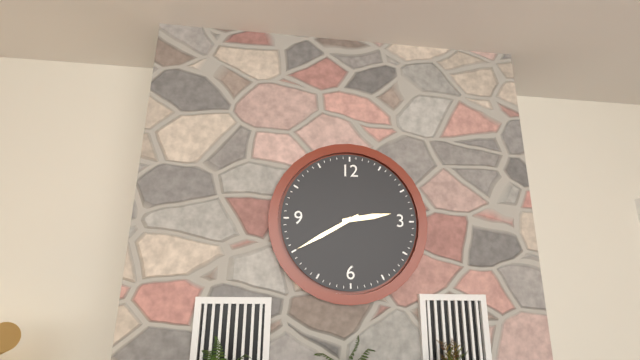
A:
2 h 40 min
